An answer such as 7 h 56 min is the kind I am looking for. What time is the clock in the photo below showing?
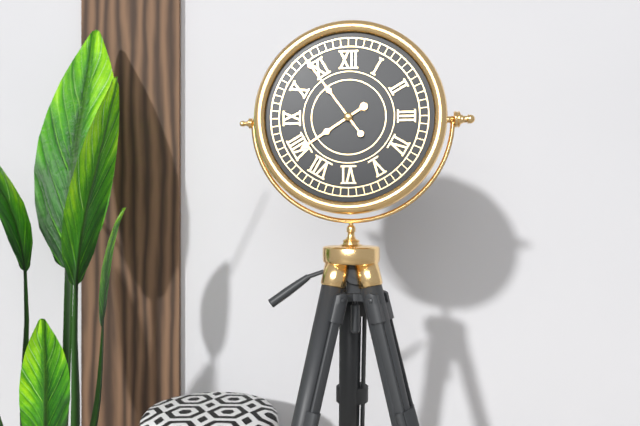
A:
7 h 54 min
